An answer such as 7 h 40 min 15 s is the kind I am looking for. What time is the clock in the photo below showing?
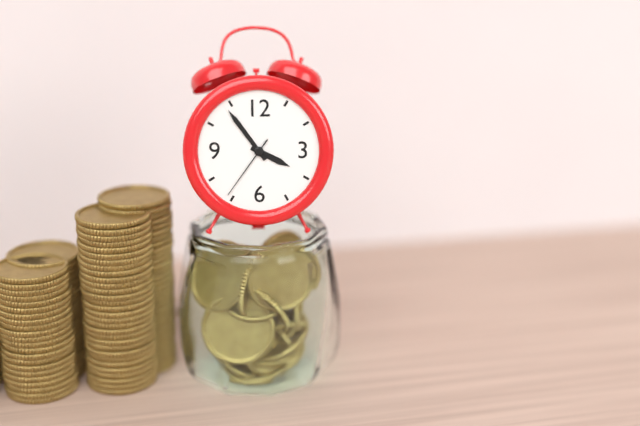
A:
3 h 54 min 36 s
